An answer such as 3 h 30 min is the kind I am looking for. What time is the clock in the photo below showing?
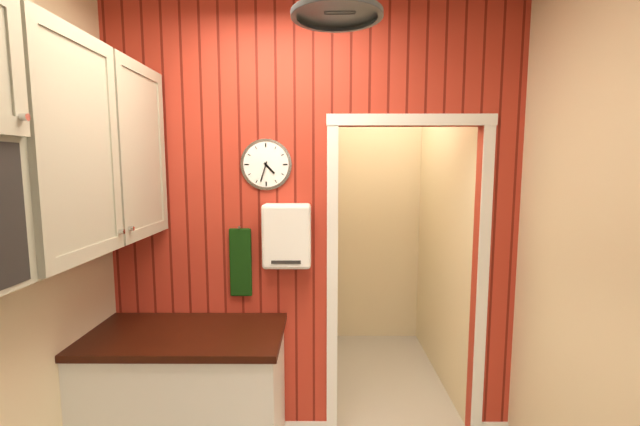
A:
4 h 33 min
